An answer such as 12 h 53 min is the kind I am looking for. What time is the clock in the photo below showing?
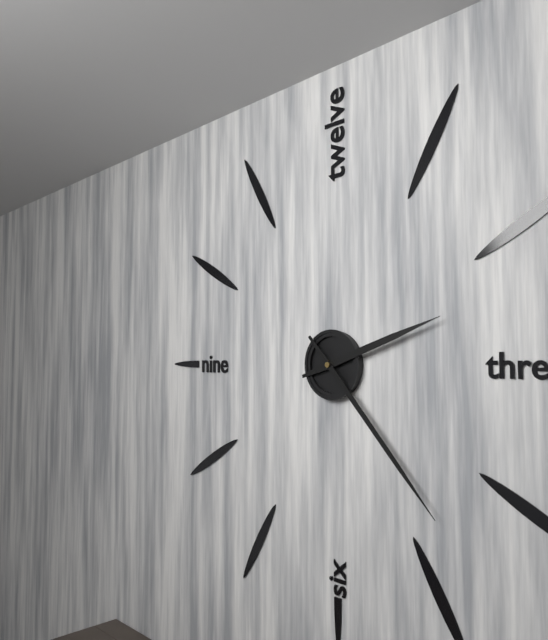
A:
2 h 23 min
